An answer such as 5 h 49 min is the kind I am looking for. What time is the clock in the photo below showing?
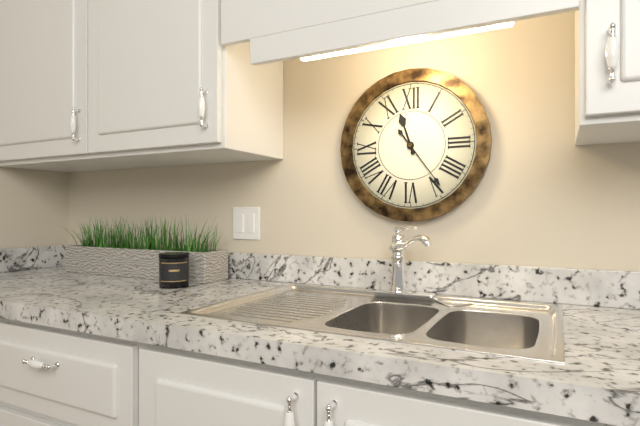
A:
11 h 24 min
